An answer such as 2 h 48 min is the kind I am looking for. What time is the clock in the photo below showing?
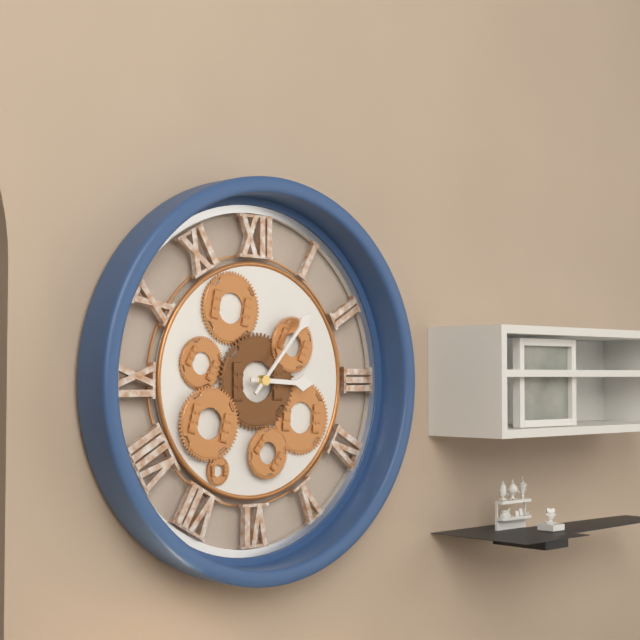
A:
3 h 07 min
